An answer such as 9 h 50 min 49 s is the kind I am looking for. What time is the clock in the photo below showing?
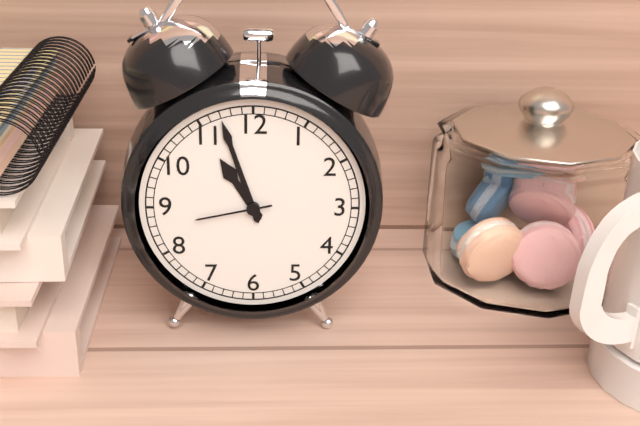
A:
10 h 57 min 43 s
